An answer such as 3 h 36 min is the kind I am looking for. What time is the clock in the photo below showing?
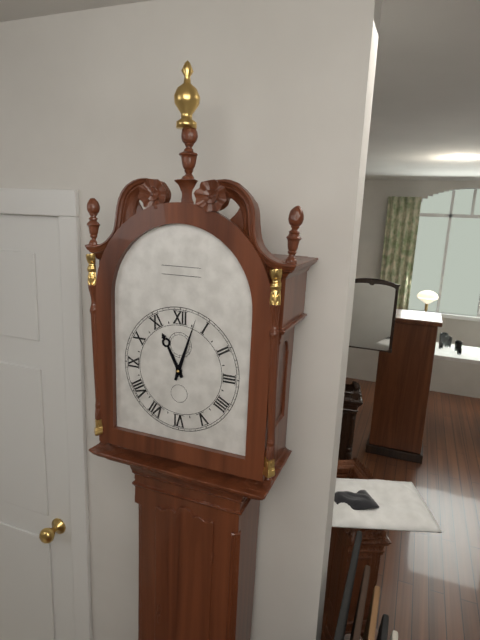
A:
11 h 03 min
